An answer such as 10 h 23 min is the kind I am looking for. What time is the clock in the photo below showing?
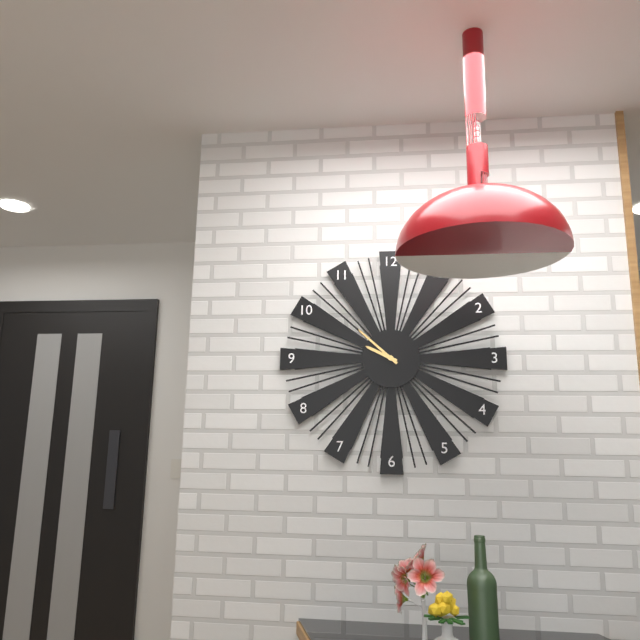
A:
9 h 52 min
